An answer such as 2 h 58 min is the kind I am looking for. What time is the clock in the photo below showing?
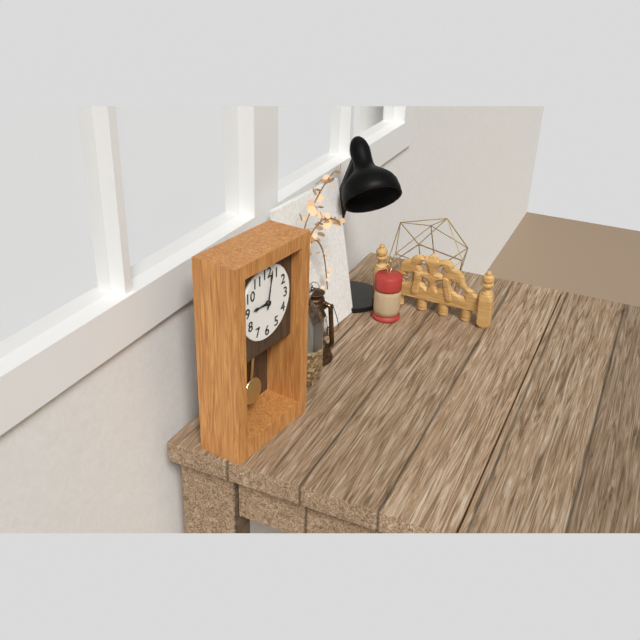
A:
9 h 02 min
